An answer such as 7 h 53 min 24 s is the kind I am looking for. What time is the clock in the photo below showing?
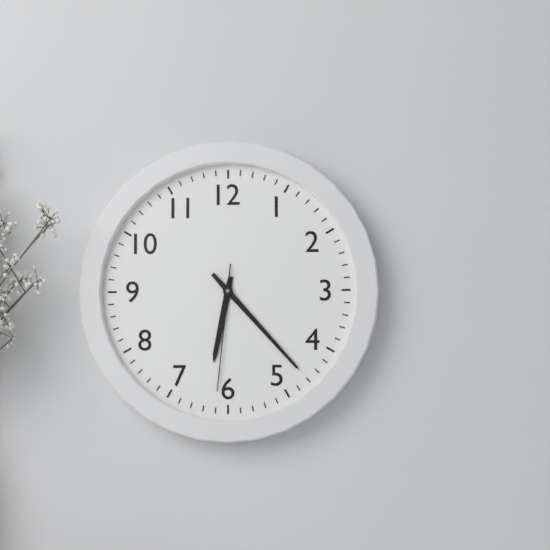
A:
6 h 23 min 31 s
